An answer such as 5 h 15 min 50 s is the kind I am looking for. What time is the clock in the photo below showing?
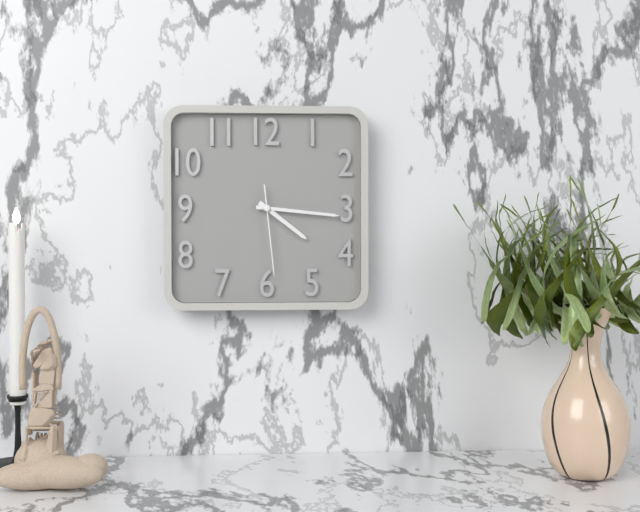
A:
4 h 16 min 29 s
